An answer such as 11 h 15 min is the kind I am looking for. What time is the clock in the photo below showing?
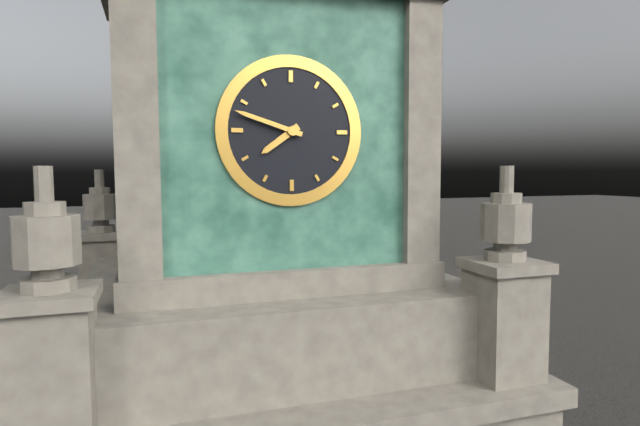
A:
7 h 48 min
